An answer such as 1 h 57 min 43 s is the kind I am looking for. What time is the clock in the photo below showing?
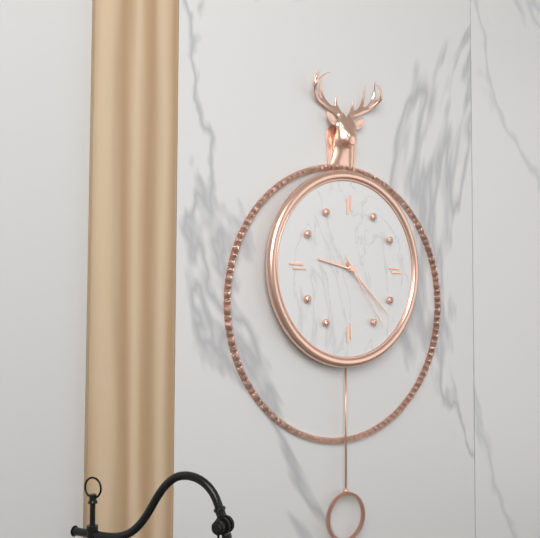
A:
9 h 22 min 24 s
